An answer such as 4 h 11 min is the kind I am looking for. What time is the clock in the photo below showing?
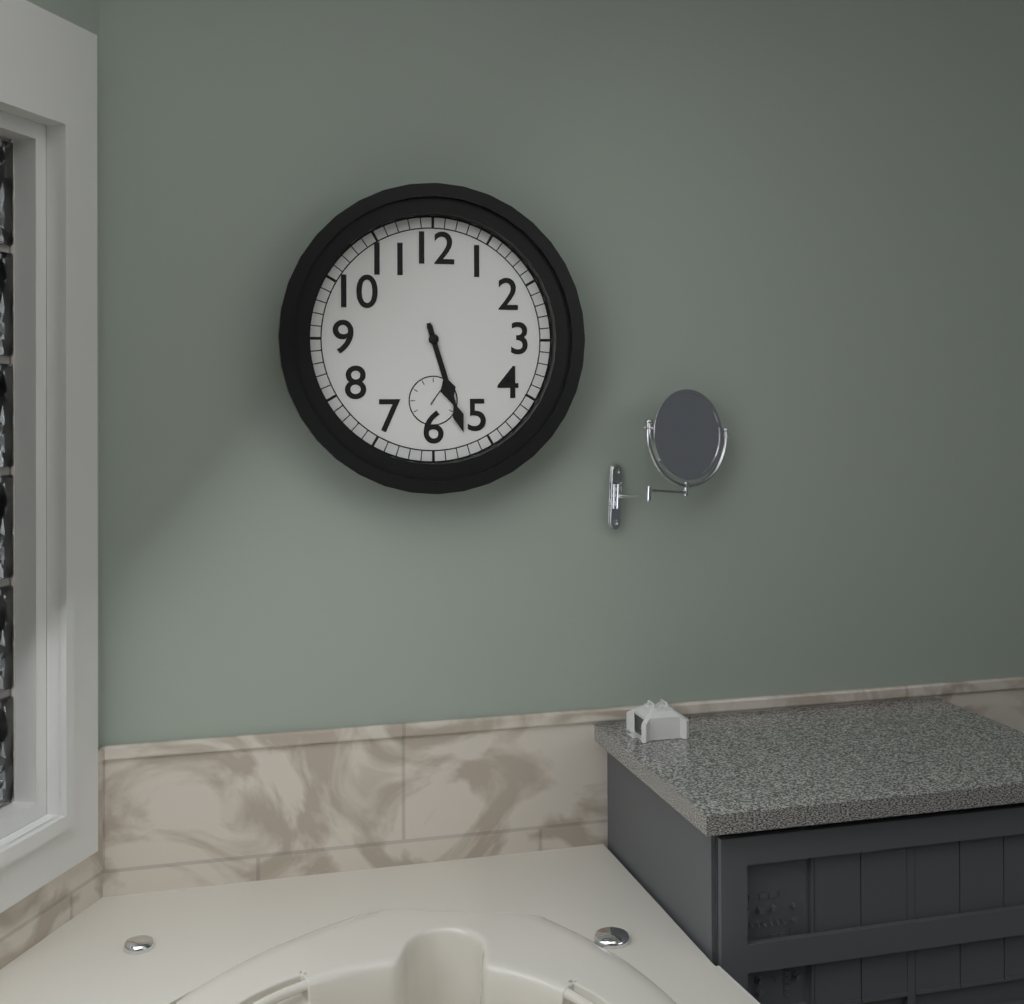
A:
5 h 27 min
